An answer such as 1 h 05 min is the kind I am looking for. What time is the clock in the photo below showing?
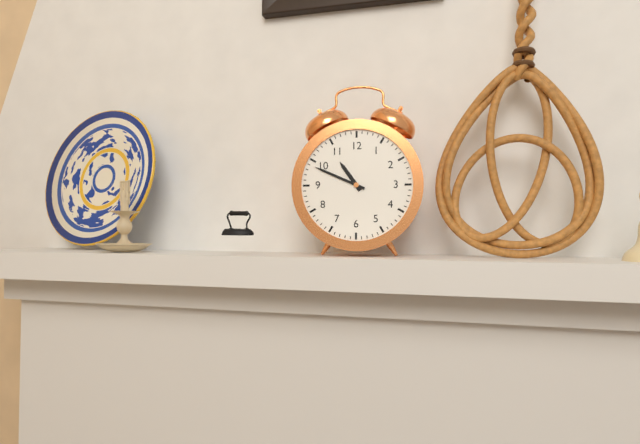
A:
10 h 49 min
